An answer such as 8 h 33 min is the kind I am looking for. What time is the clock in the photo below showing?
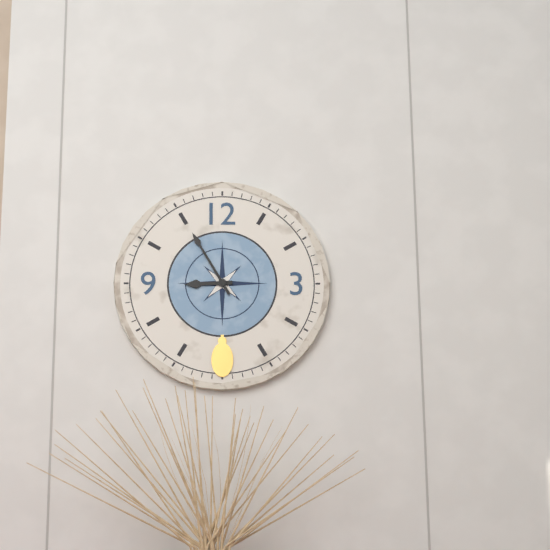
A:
8 h 55 min
